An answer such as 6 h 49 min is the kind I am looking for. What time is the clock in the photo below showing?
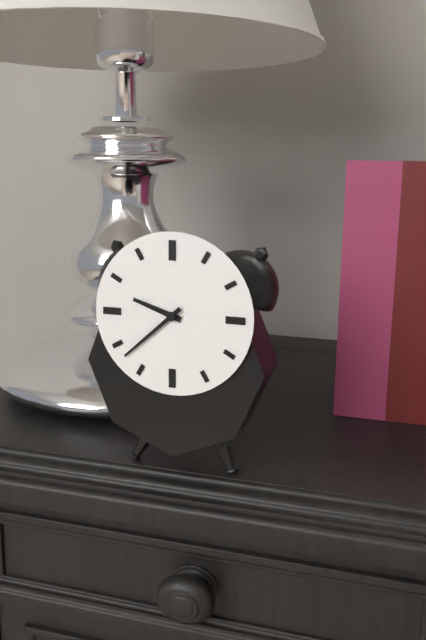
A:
9 h 38 min
